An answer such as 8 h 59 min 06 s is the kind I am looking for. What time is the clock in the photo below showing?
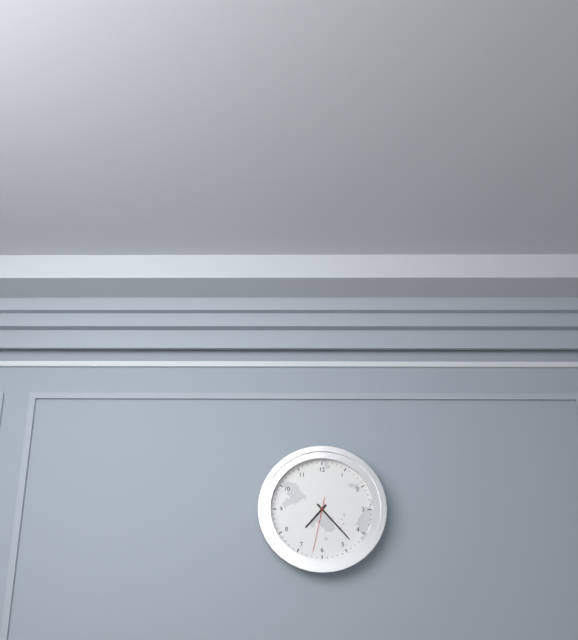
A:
7 h 23 min 32 s
